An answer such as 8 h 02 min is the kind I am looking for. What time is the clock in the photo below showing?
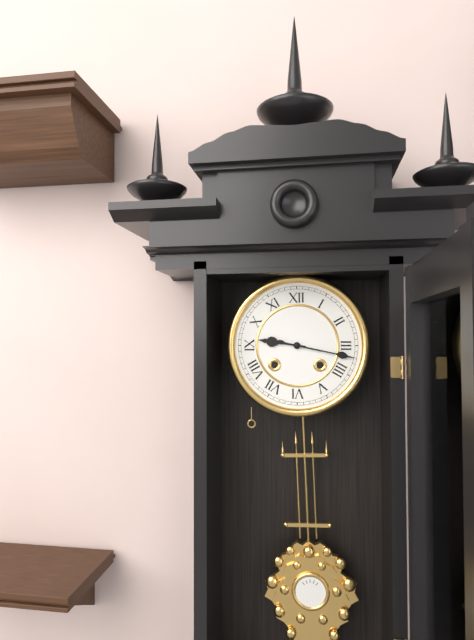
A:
9 h 17 min
